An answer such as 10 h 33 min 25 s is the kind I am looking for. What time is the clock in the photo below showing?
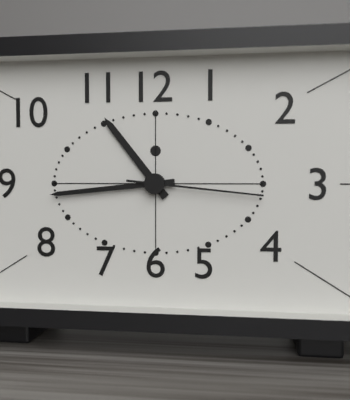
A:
10 h 44 min 16 s
